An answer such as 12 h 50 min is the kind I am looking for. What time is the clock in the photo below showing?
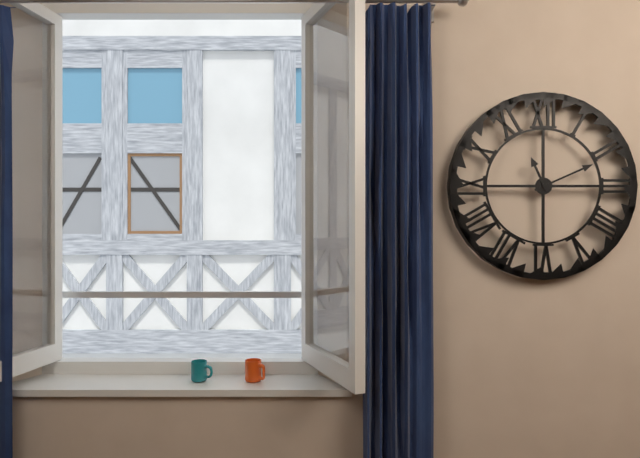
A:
11 h 11 min
